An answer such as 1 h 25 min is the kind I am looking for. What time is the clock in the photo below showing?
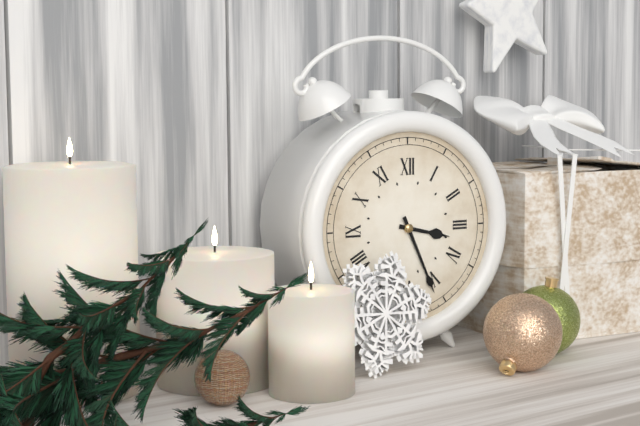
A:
3 h 26 min
